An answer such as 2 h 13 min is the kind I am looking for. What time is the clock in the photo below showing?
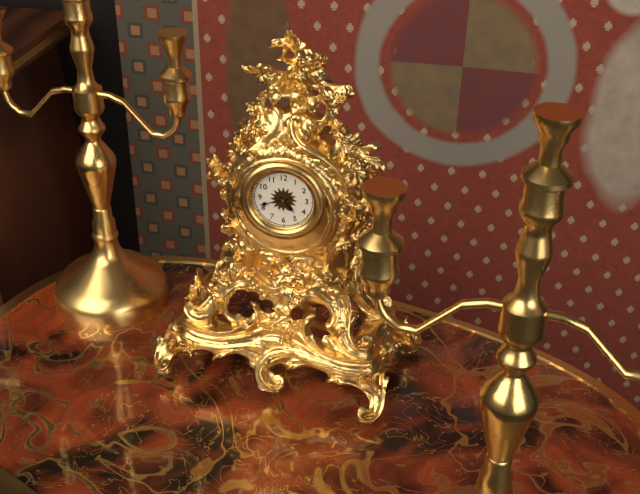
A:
4 h 42 min
